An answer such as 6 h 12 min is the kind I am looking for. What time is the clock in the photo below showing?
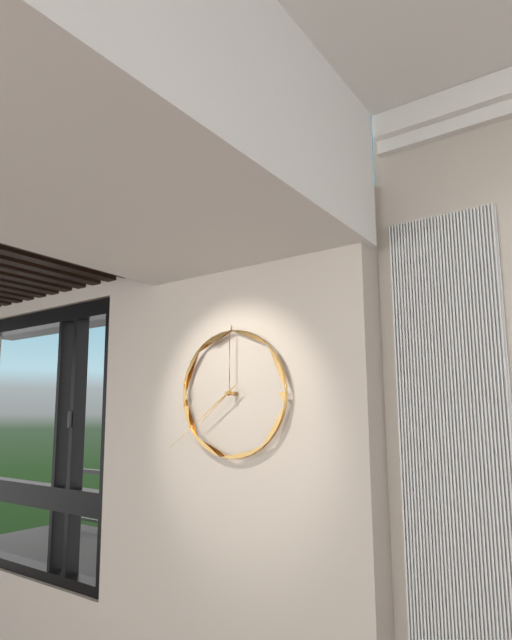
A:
7 h 39 min
